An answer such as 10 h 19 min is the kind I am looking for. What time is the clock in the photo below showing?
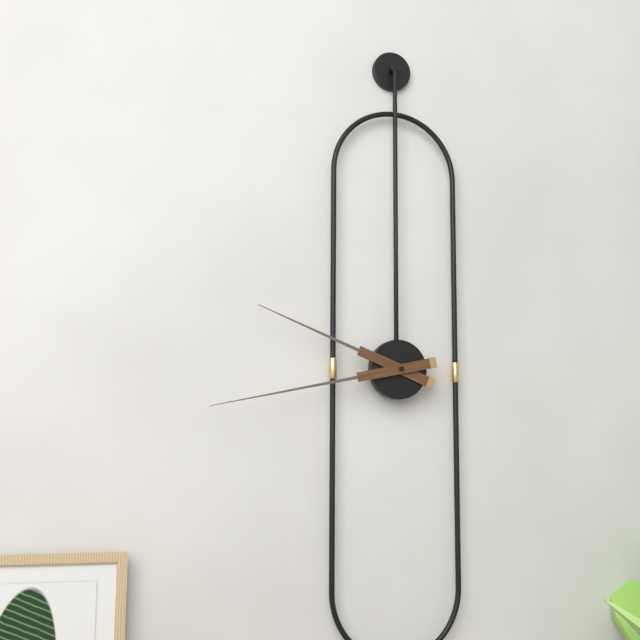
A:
9 h 43 min
